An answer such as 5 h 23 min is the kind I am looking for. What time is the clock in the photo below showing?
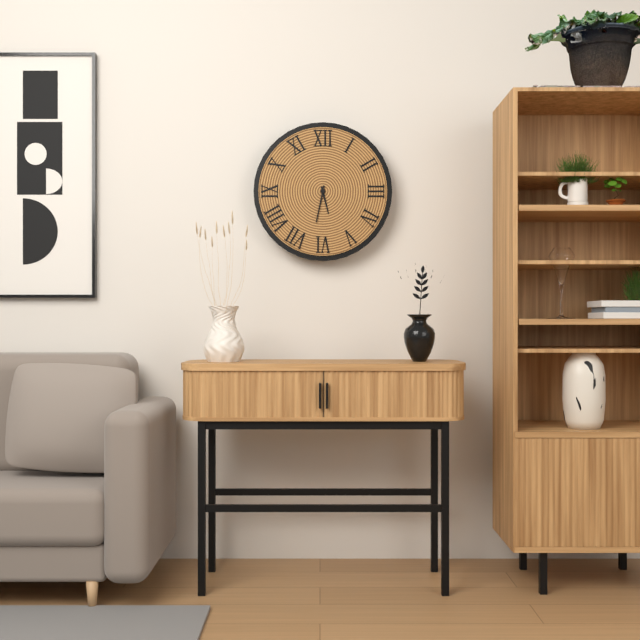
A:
5 h 32 min
